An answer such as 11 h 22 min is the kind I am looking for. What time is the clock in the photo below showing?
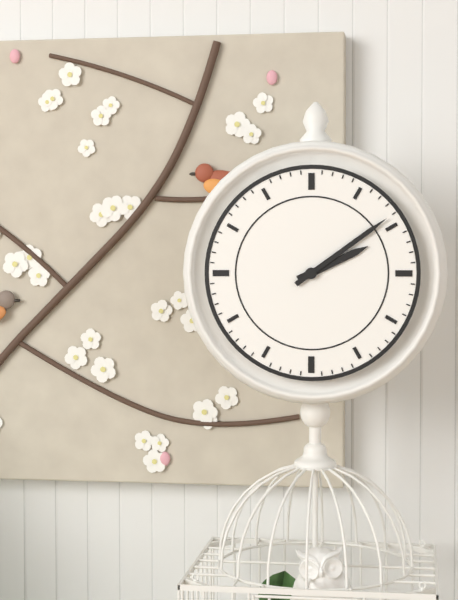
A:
2 h 09 min
